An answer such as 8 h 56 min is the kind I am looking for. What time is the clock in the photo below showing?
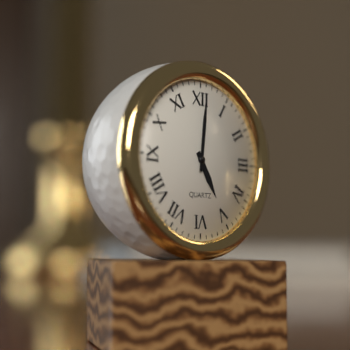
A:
5 h 01 min
